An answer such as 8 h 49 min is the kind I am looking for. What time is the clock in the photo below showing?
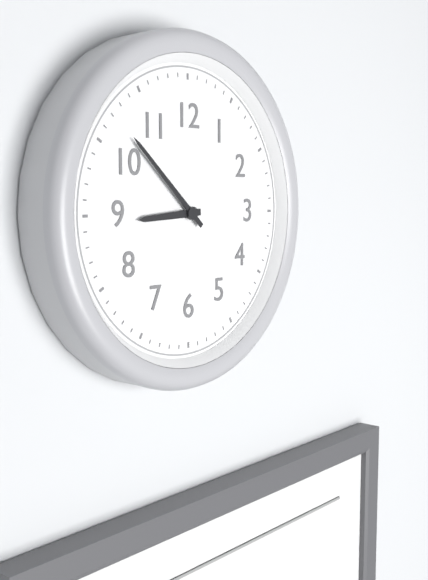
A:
8 h 52 min
